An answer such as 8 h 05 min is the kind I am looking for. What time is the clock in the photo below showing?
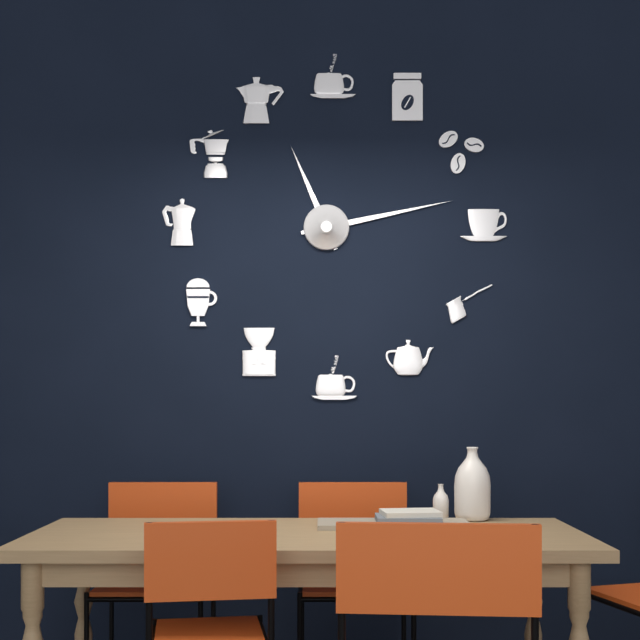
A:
11 h 13 min
